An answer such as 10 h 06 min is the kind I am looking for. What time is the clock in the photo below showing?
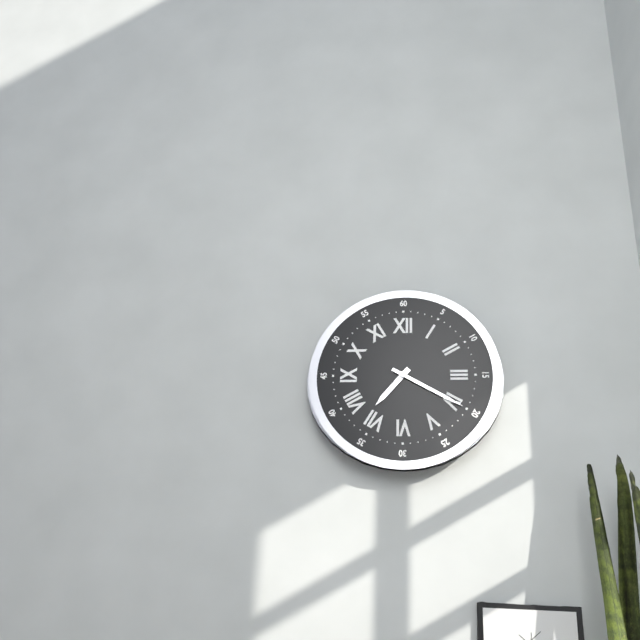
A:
7 h 20 min
